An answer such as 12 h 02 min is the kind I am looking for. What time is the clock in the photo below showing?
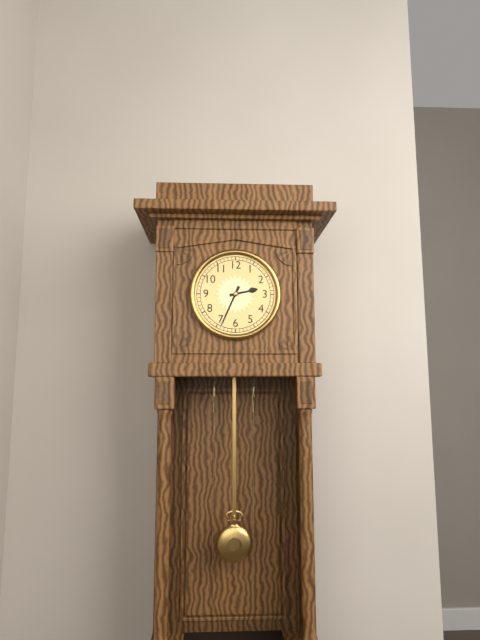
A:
2 h 34 min
